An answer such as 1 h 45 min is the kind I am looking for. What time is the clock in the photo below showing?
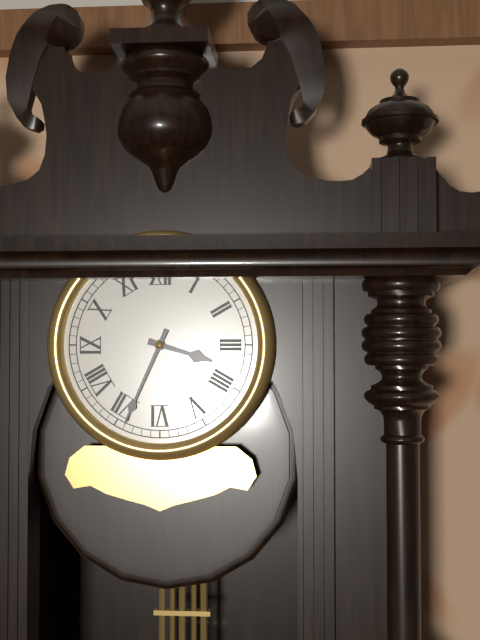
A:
3 h 34 min
